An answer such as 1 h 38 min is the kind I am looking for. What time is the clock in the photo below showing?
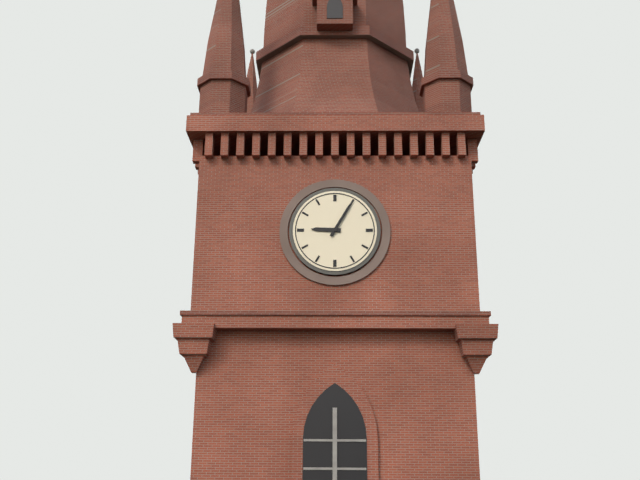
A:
9 h 05 min
